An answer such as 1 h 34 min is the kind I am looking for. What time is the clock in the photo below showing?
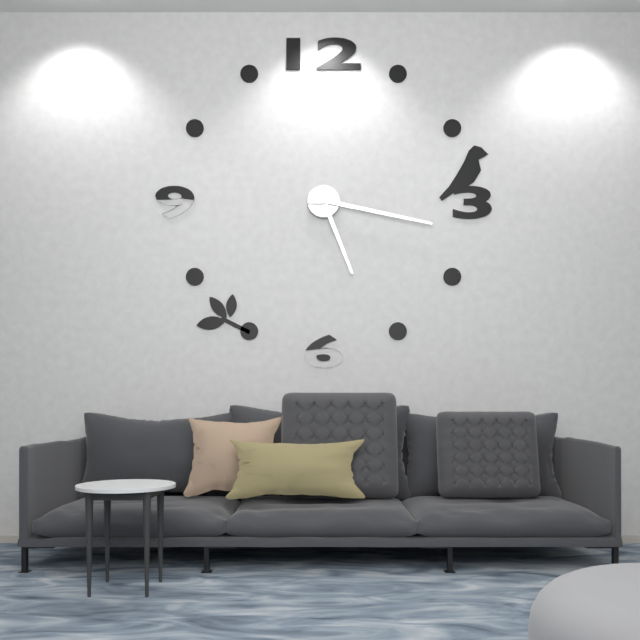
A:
5 h 17 min
